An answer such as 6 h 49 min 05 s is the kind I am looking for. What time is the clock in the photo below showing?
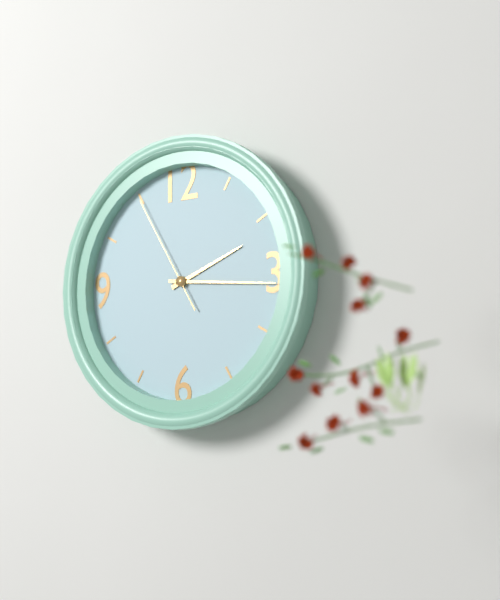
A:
2 h 16 min 55 s
